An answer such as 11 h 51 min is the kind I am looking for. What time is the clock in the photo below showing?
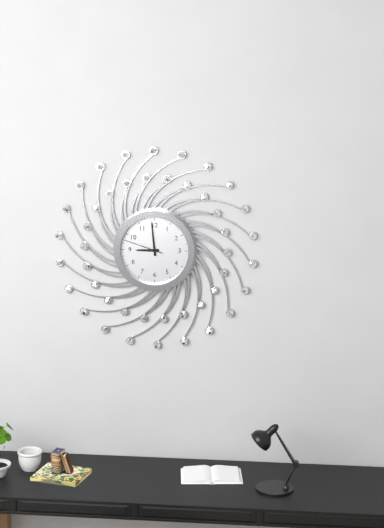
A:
8 h 59 min
